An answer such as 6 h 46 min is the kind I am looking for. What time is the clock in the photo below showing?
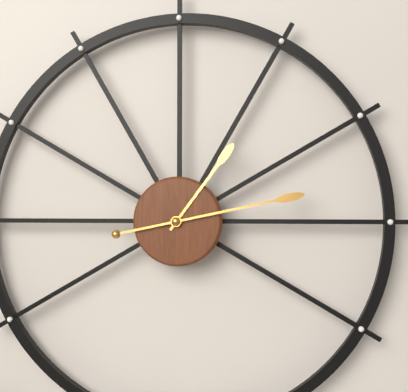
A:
1 h 13 min
